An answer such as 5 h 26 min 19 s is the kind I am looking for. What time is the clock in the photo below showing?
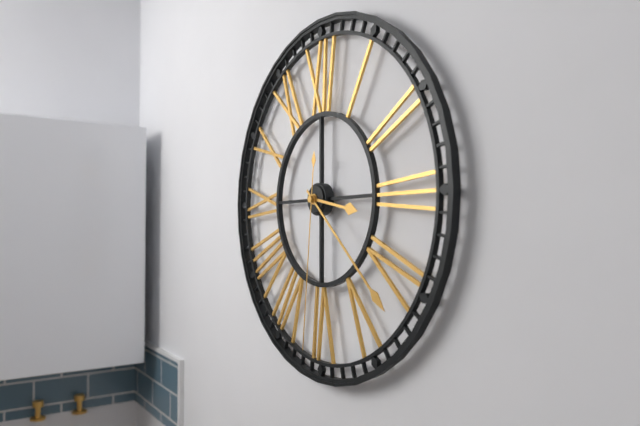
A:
3 h 22 min 31 s
